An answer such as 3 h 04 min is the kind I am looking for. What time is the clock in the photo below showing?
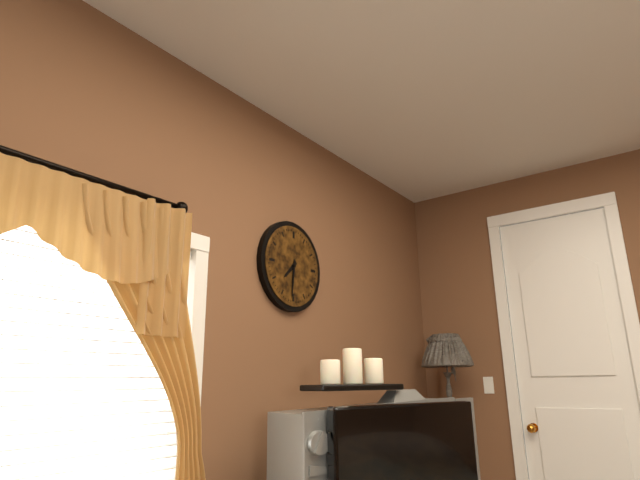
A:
7 h 31 min
